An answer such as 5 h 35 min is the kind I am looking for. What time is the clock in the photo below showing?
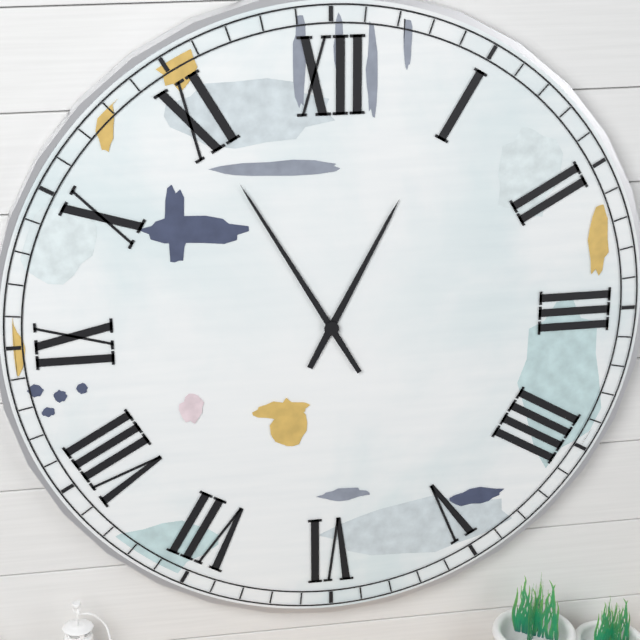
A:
12 h 55 min
